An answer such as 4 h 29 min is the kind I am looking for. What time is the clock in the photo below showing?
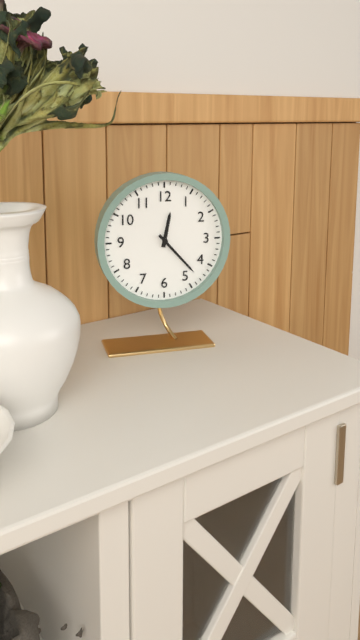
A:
12 h 23 min
